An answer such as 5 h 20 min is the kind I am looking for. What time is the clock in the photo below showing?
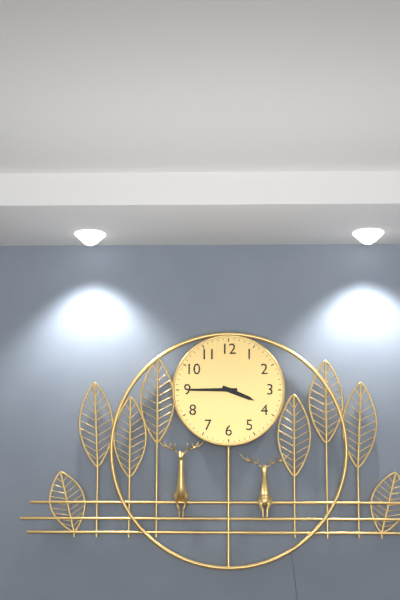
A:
3 h 45 min
